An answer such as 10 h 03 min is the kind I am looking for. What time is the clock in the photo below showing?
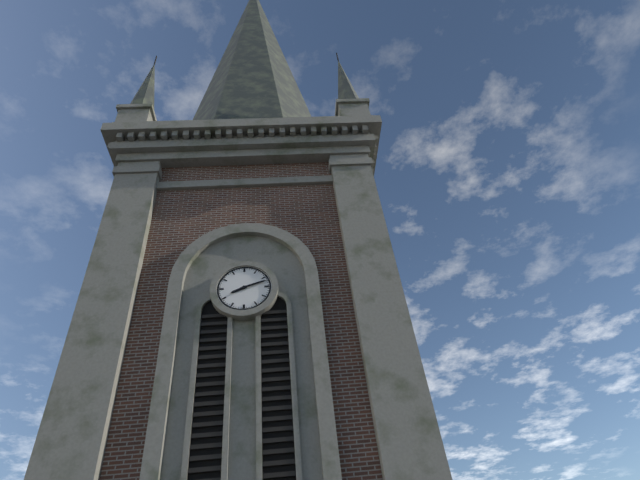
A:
8 h 12 min
